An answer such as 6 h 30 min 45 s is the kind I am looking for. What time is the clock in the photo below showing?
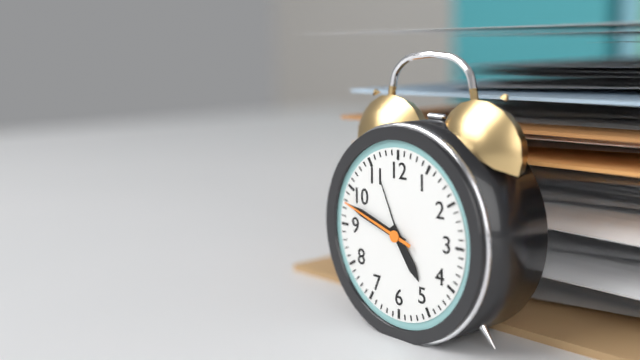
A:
4 h 48 min 48 s
